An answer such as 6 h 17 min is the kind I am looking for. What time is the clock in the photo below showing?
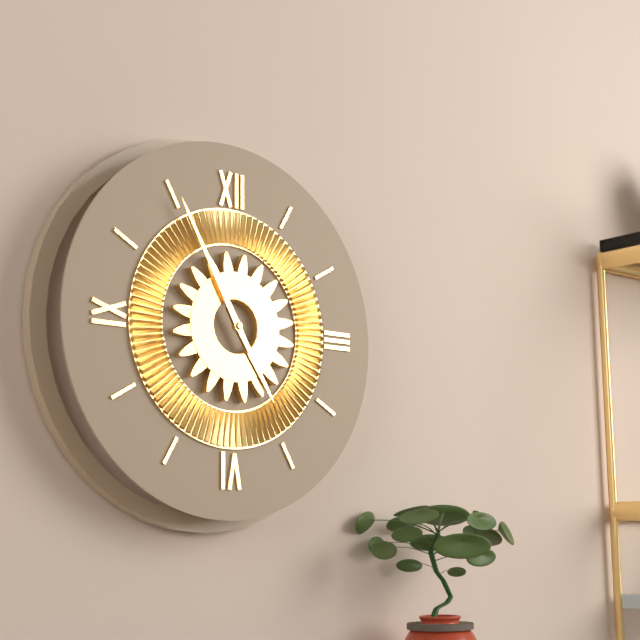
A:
4 h 55 min
